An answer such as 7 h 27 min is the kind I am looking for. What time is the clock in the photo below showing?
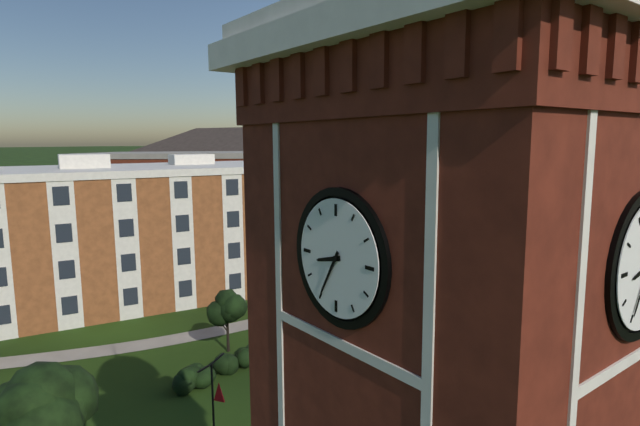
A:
8 h 35 min
